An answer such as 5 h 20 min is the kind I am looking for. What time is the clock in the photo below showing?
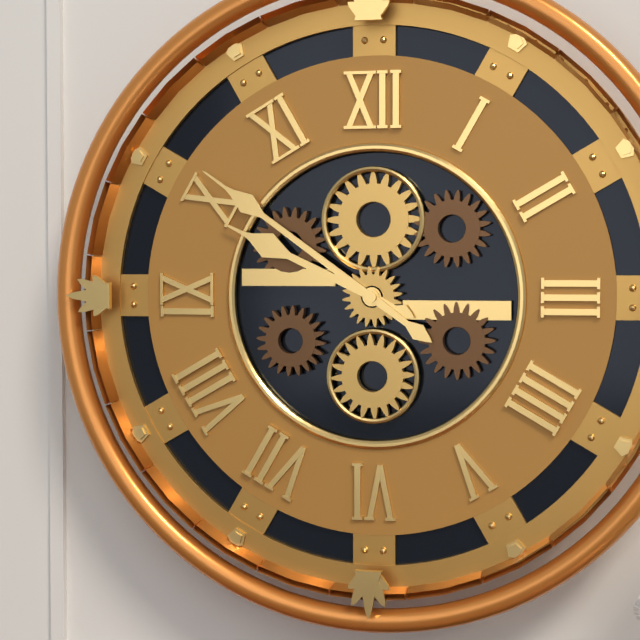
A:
9 h 51 min
